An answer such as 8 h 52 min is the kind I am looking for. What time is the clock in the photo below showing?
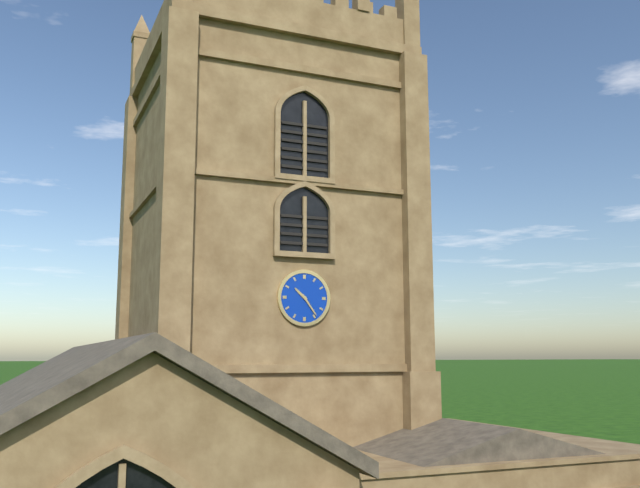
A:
10 h 24 min
